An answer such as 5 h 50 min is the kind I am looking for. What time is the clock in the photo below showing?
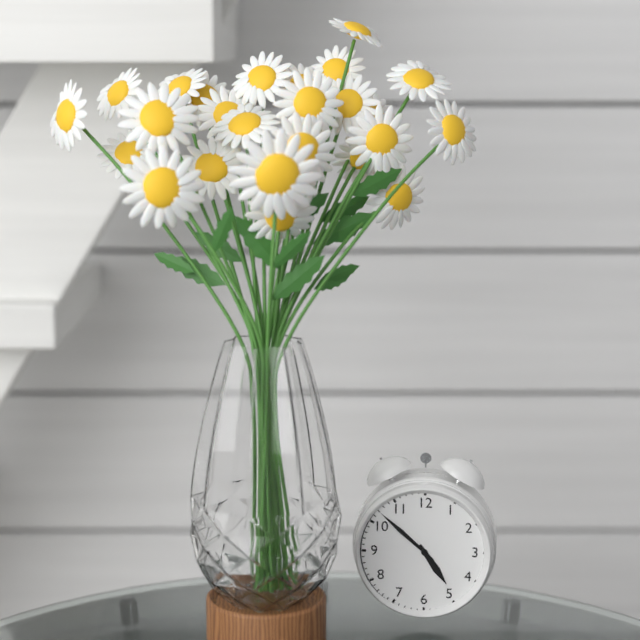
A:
4 h 52 min
